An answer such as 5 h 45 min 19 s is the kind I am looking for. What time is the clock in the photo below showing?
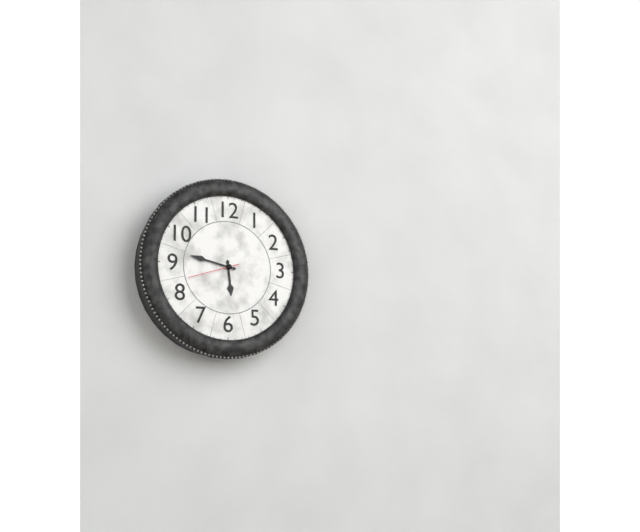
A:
5 h 47 min 42 s
